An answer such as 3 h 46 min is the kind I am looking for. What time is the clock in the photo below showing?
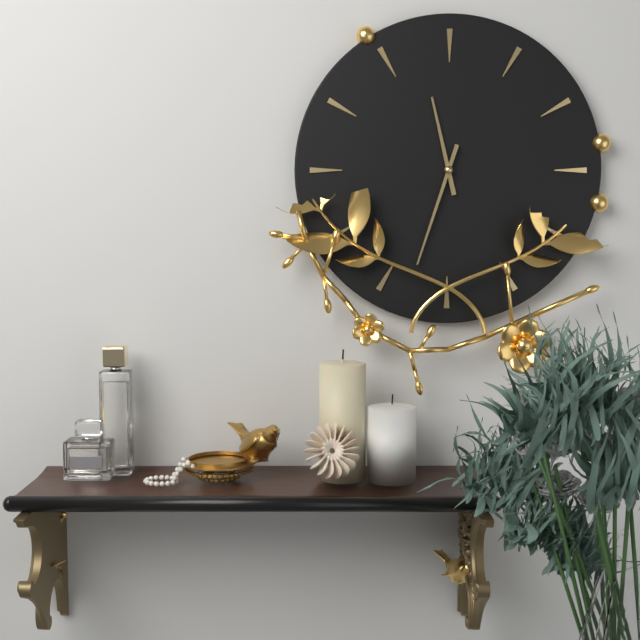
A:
11 h 33 min
